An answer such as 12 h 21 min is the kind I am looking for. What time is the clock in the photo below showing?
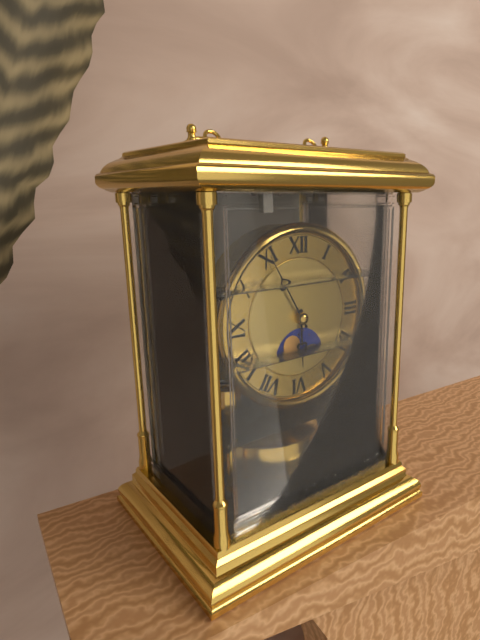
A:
5 h 55 min
